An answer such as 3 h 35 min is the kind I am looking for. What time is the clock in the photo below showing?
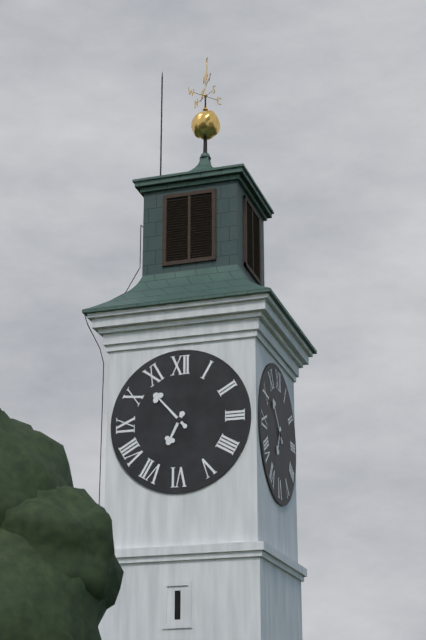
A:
6 h 53 min
